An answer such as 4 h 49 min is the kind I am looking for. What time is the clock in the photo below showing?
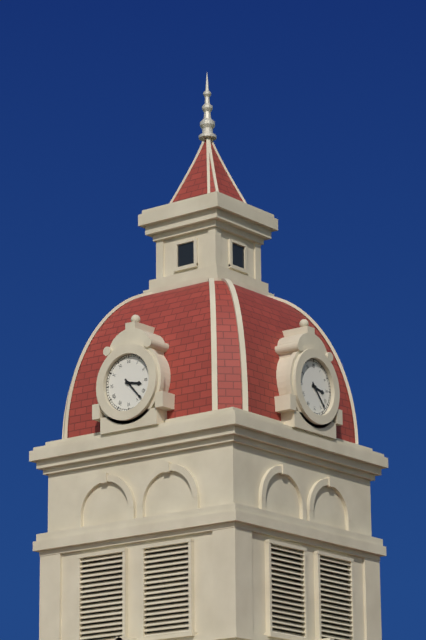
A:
3 h 23 min
